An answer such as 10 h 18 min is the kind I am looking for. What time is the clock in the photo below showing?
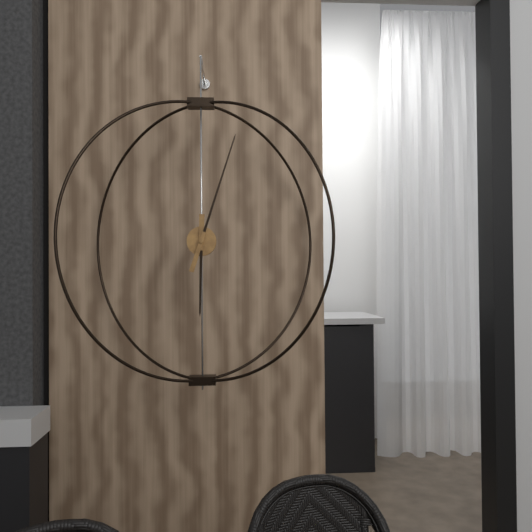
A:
6 h 03 min
